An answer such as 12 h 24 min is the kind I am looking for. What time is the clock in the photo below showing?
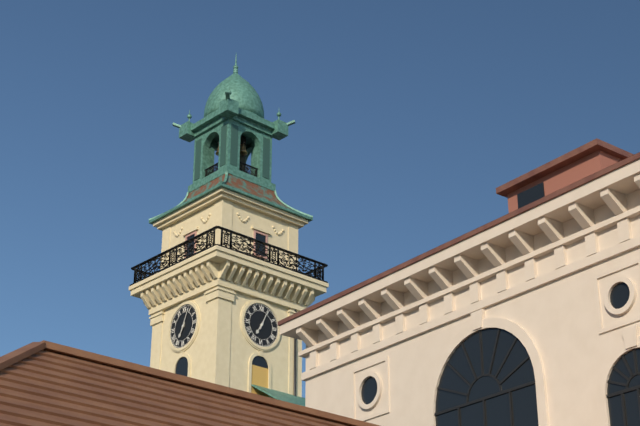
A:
7 h 04 min
